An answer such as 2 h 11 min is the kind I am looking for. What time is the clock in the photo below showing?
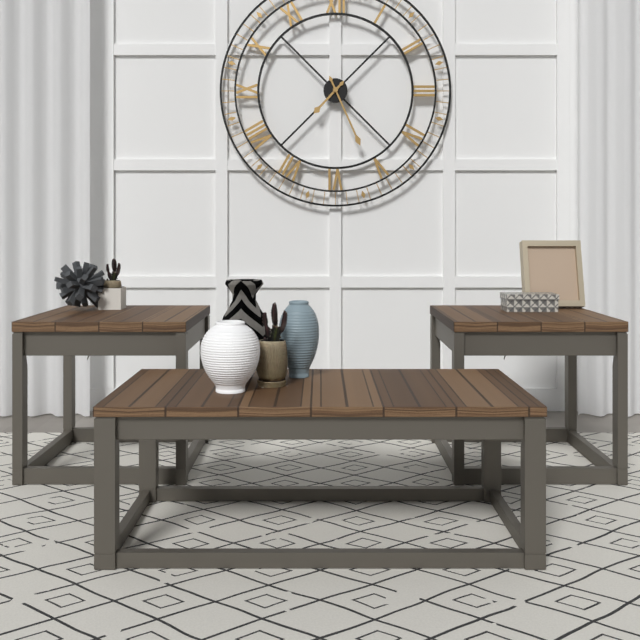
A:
7 h 26 min
